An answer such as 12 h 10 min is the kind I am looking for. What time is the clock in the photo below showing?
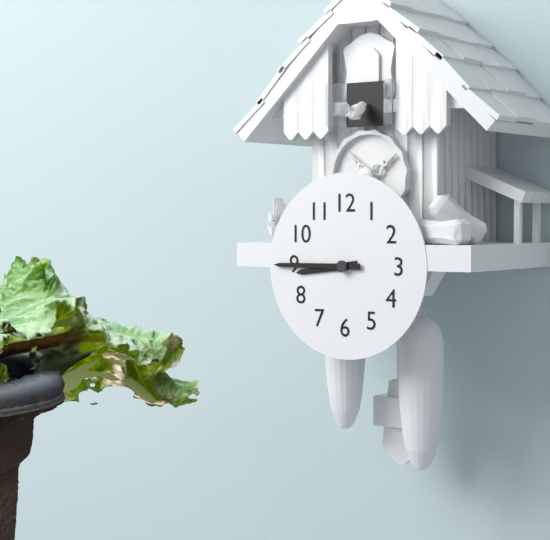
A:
8 h 45 min
